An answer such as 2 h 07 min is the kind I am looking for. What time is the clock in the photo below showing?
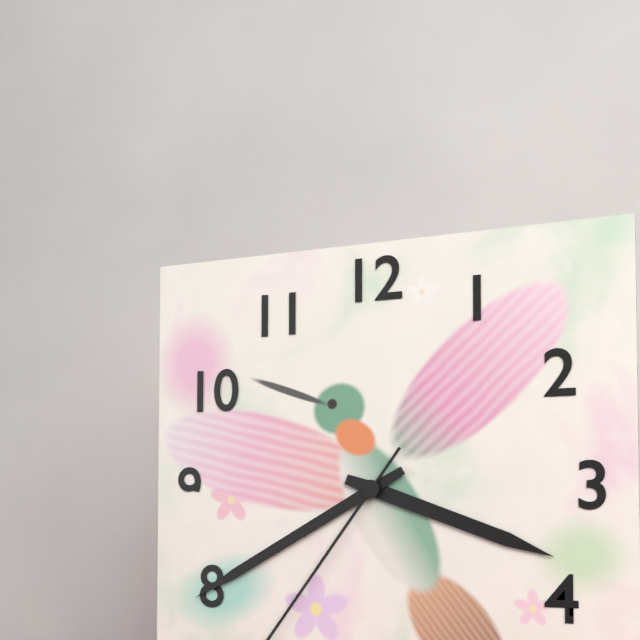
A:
3 h 40 min
